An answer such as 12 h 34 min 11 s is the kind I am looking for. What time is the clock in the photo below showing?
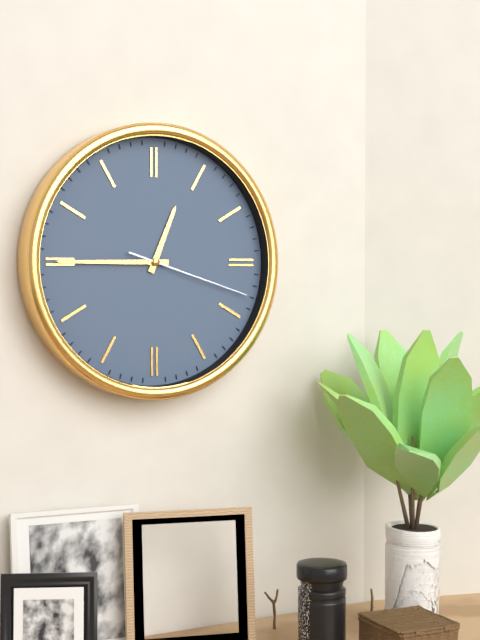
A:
12 h 45 min 18 s
